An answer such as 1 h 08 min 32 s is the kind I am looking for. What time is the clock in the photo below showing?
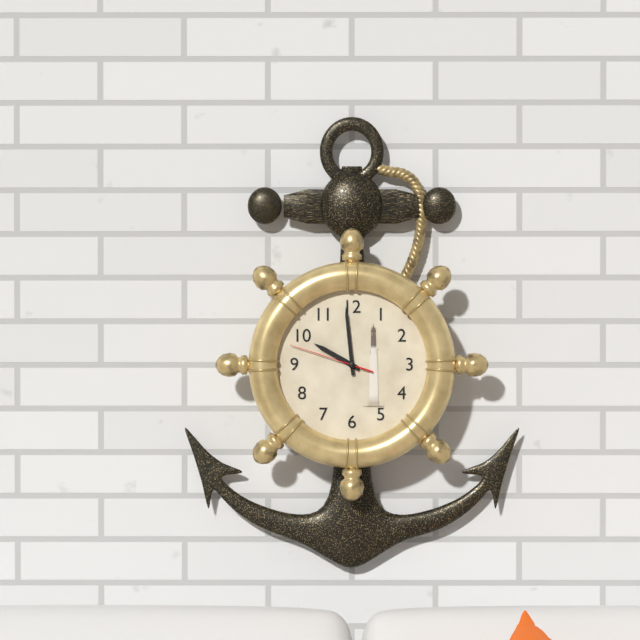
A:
9 h 59 min 48 s
